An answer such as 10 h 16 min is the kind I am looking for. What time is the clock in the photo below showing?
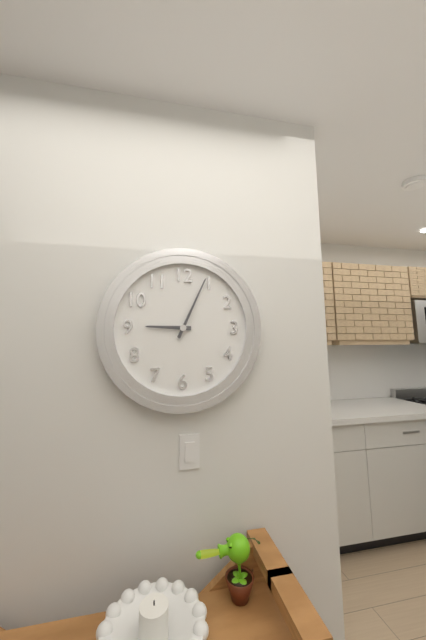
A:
9 h 04 min
